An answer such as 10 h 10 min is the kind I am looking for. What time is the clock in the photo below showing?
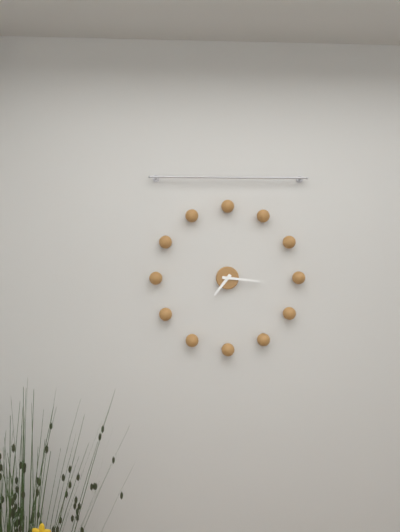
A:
7 h 16 min
